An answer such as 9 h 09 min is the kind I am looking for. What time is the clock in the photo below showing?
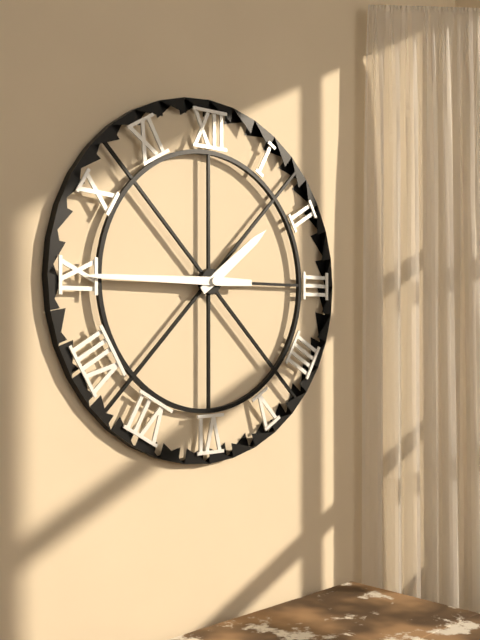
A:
1 h 45 min
